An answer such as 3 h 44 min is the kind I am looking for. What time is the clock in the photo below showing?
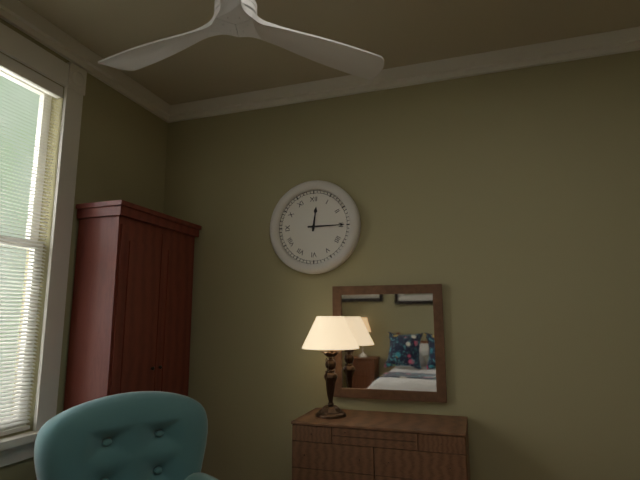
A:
12 h 15 min
